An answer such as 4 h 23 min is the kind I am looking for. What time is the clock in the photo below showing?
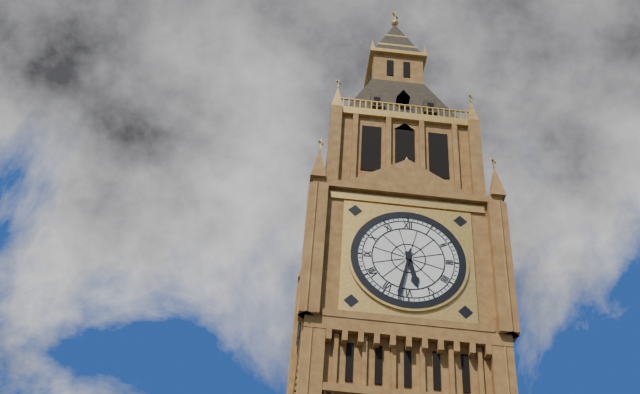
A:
5 h 32 min
